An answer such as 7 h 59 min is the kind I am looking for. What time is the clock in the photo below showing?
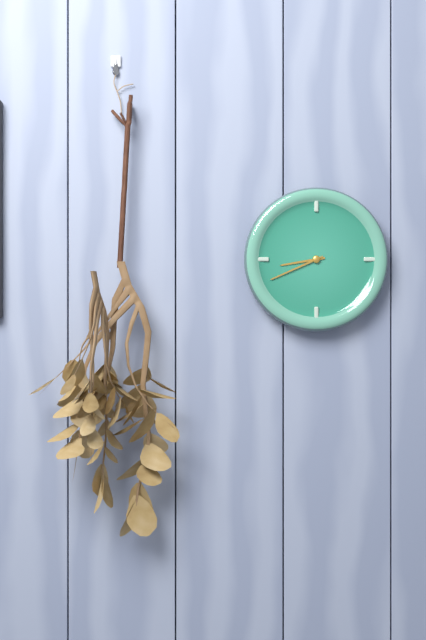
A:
8 h 41 min
